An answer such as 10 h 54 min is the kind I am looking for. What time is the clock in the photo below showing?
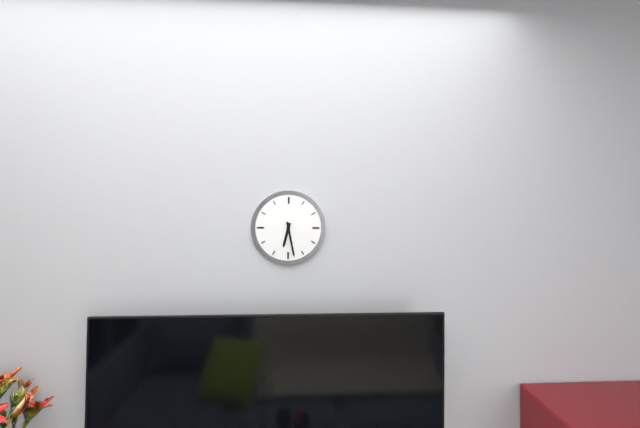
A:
6 h 28 min
